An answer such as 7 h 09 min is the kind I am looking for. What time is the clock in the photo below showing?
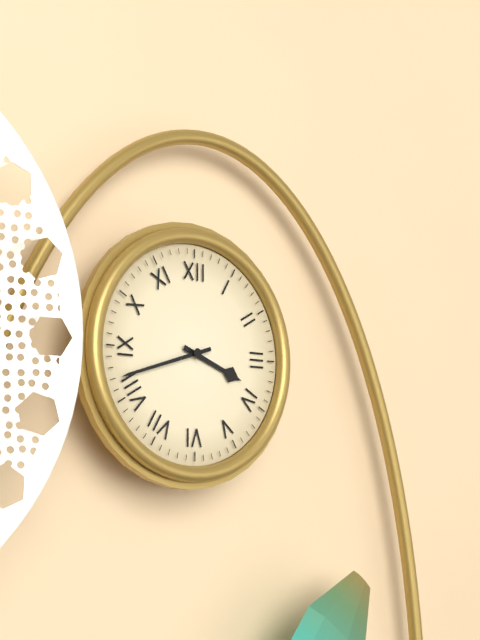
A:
3 h 42 min
